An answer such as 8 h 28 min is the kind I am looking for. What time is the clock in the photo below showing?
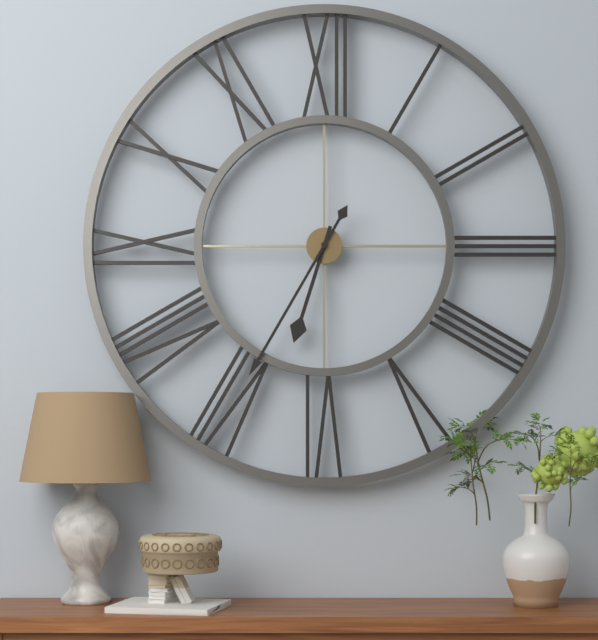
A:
6 h 35 min
